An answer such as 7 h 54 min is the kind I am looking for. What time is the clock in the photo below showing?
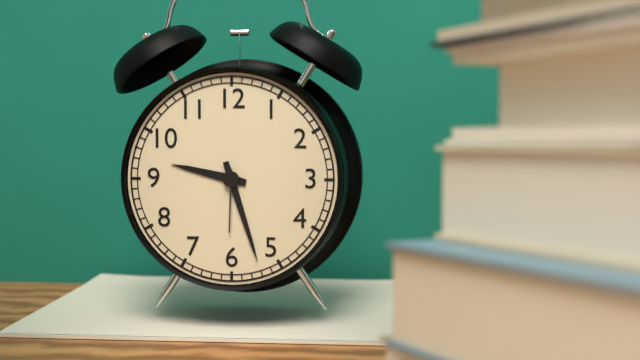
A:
9 h 27 min
